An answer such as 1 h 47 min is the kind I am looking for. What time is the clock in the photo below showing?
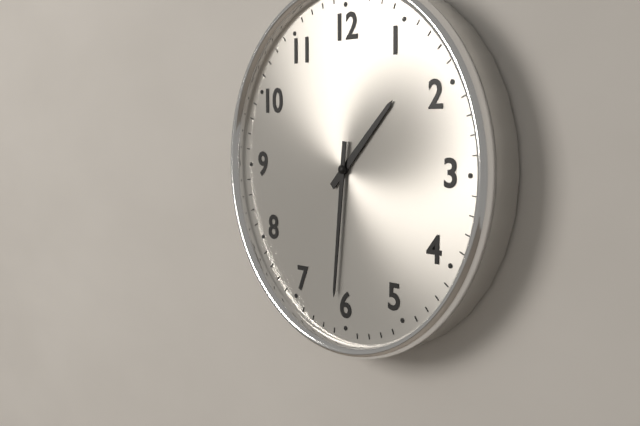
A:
1 h 31 min
